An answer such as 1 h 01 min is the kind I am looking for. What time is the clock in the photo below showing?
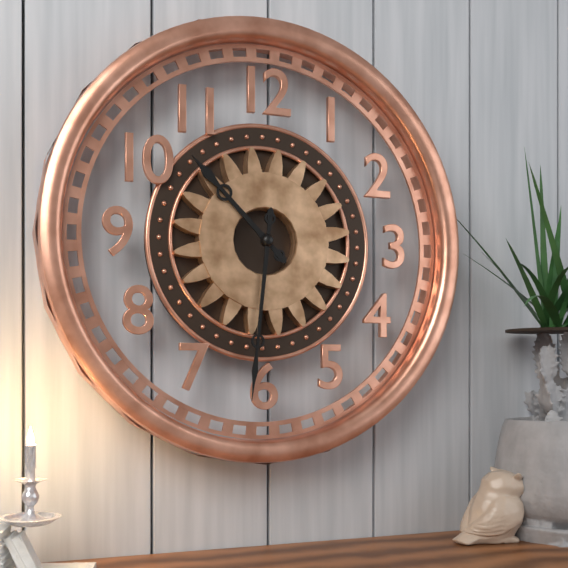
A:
10 h 31 min
